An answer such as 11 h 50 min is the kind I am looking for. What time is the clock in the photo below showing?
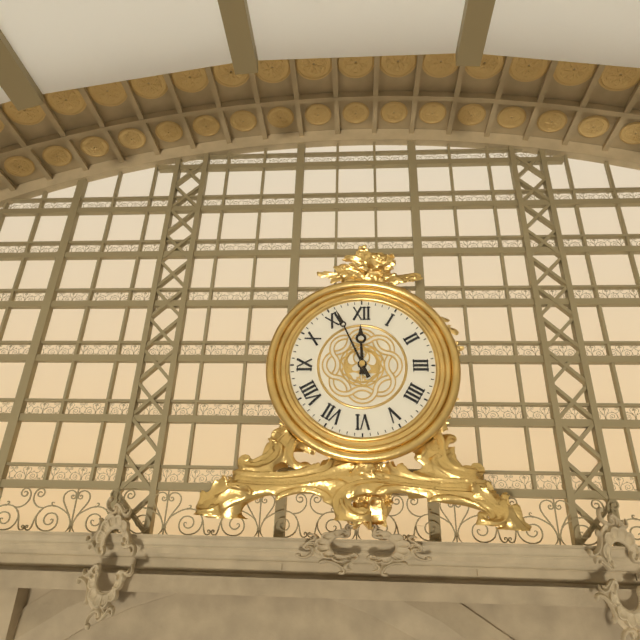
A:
11 h 56 min
